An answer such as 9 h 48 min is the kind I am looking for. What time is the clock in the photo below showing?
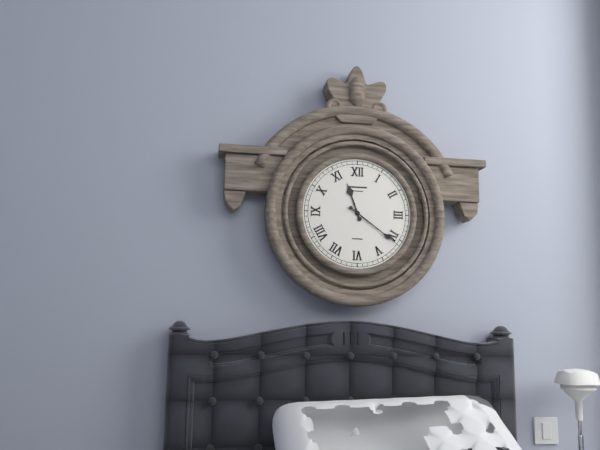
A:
11 h 21 min
